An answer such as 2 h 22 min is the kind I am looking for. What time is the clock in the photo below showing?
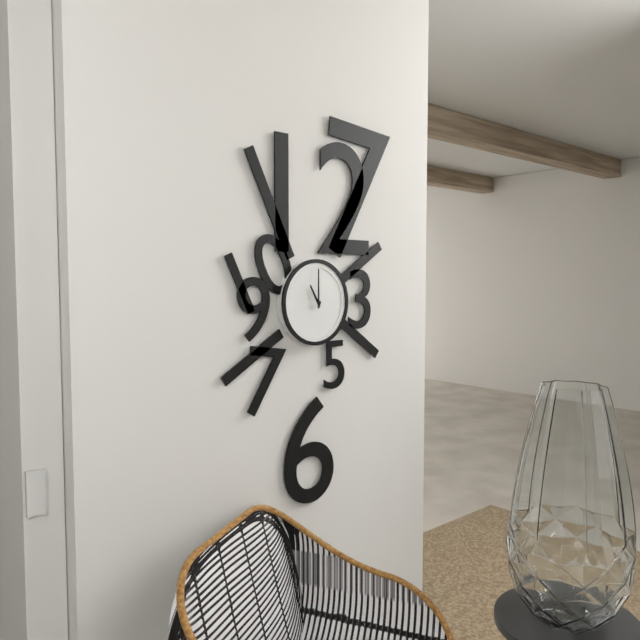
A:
11 h 00 min
